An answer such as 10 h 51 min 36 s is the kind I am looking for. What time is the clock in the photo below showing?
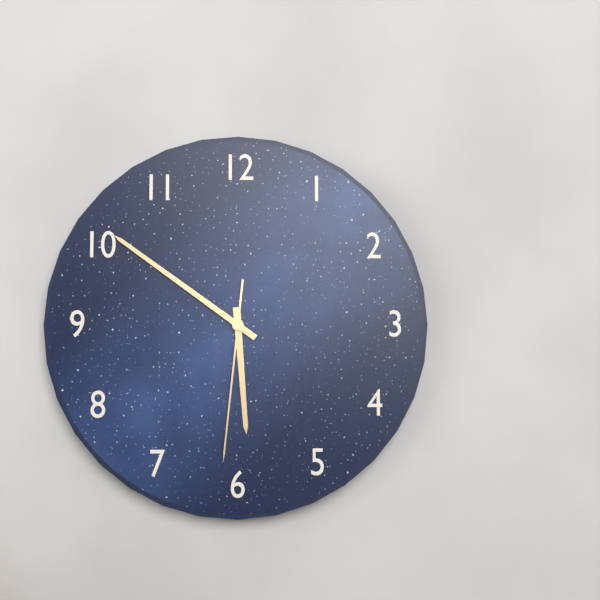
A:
5 h 51 min 31 s
